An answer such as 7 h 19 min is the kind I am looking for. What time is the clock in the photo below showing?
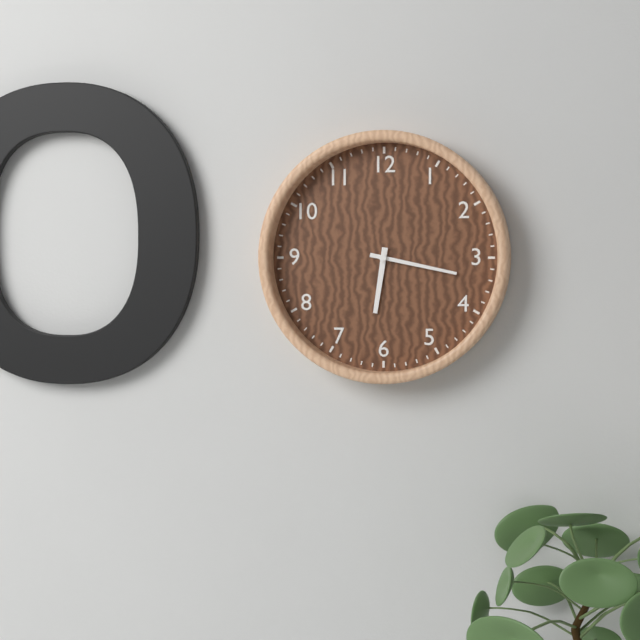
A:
6 h 17 min
